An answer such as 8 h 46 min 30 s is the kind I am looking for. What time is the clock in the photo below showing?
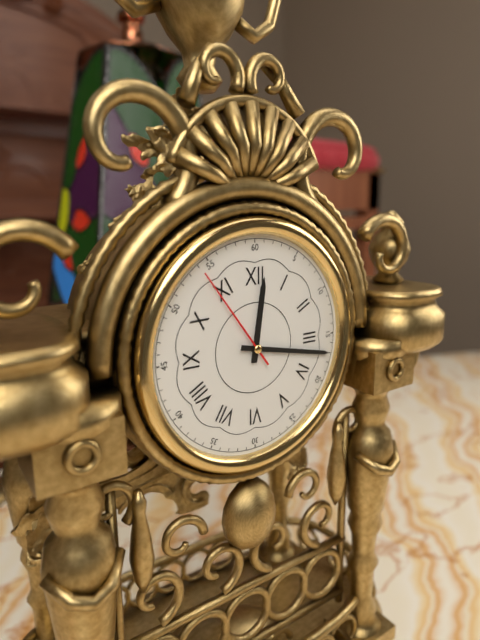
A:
12 h 17 min 54 s
